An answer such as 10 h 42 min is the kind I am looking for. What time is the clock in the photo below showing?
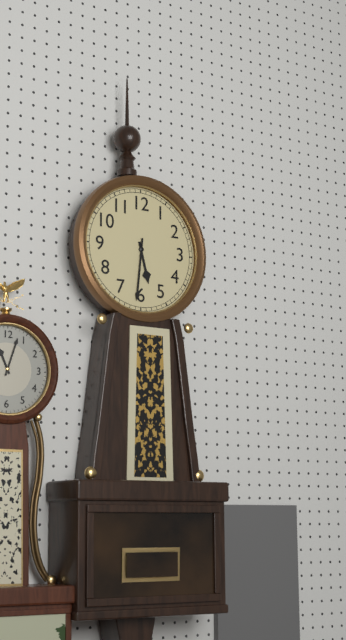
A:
5 h 31 min
